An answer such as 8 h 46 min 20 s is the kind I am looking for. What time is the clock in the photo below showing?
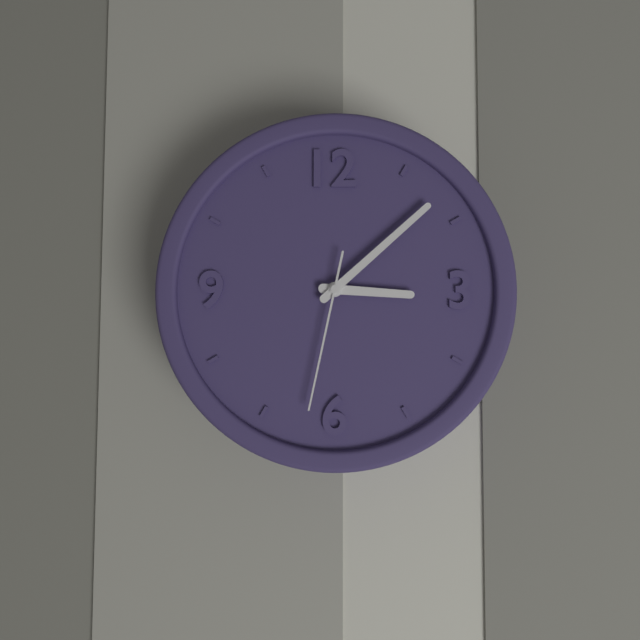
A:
3 h 08 min 32 s
